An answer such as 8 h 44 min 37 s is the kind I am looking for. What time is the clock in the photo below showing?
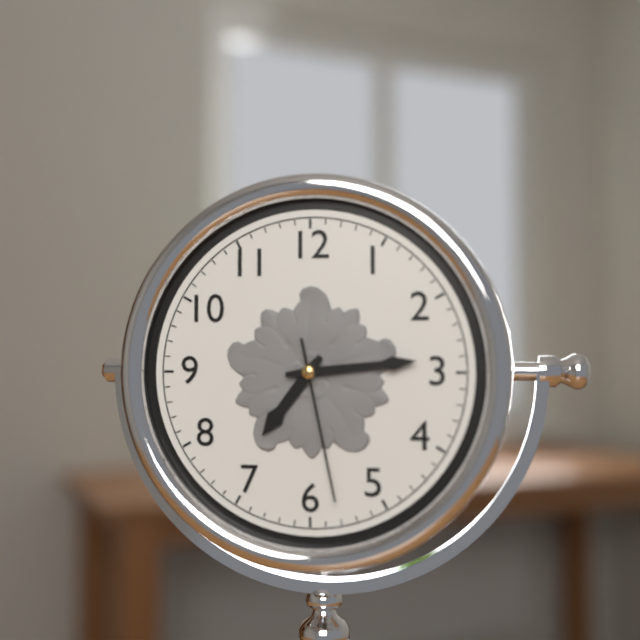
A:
7 h 14 min 28 s
